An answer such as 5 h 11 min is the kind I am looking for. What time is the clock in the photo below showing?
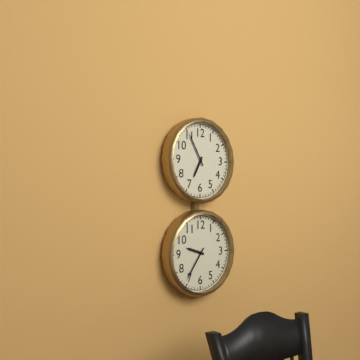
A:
6 h 55 min
